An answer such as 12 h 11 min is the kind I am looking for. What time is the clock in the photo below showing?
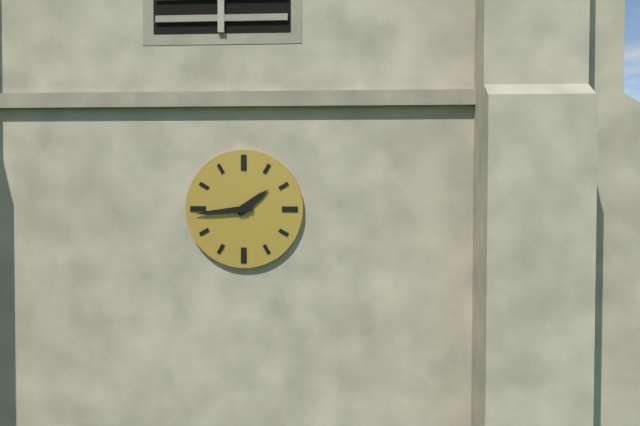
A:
1 h 44 min
